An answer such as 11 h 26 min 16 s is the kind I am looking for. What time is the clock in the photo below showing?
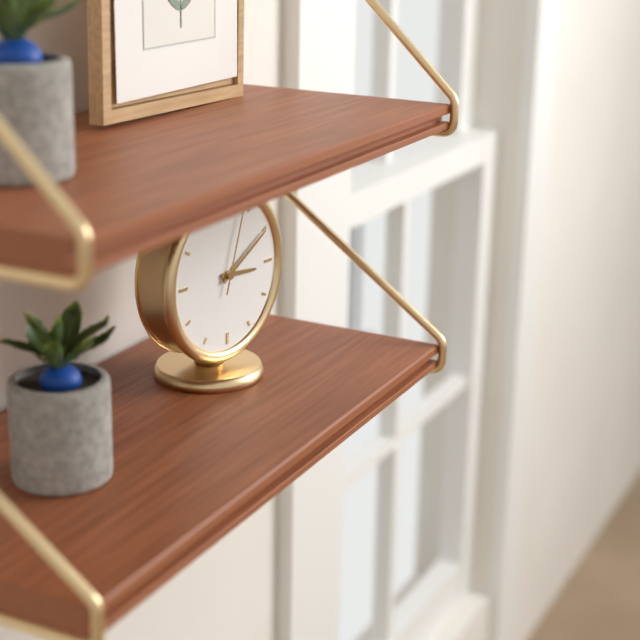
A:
3 h 10 min 03 s
